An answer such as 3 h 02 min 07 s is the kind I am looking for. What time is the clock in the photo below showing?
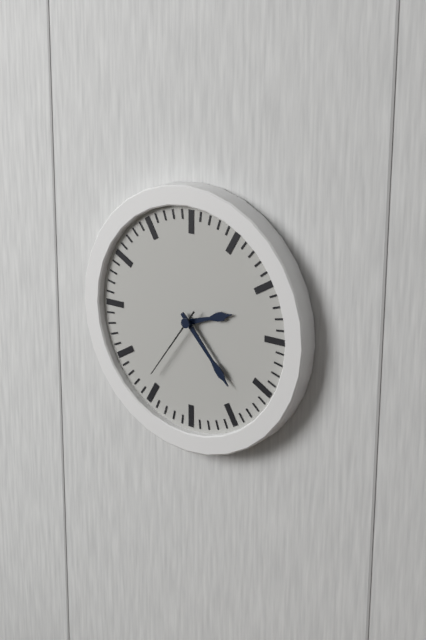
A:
2 h 23 min 36 s
